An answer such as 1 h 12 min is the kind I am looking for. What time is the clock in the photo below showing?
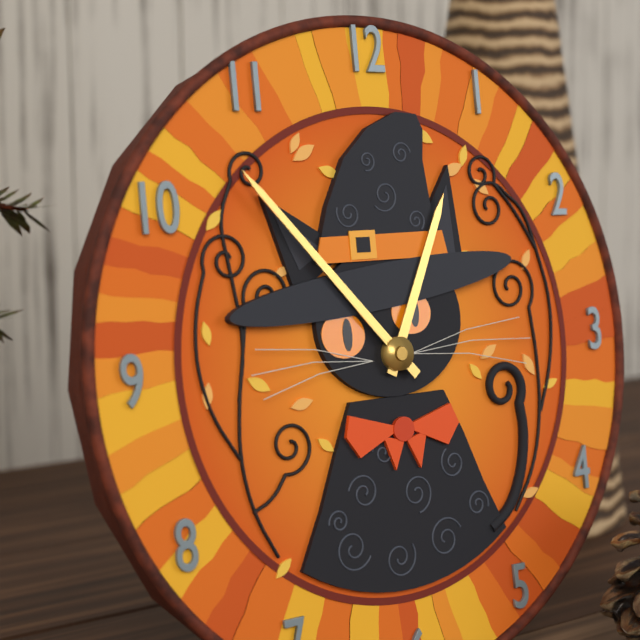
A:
12 h 53 min
